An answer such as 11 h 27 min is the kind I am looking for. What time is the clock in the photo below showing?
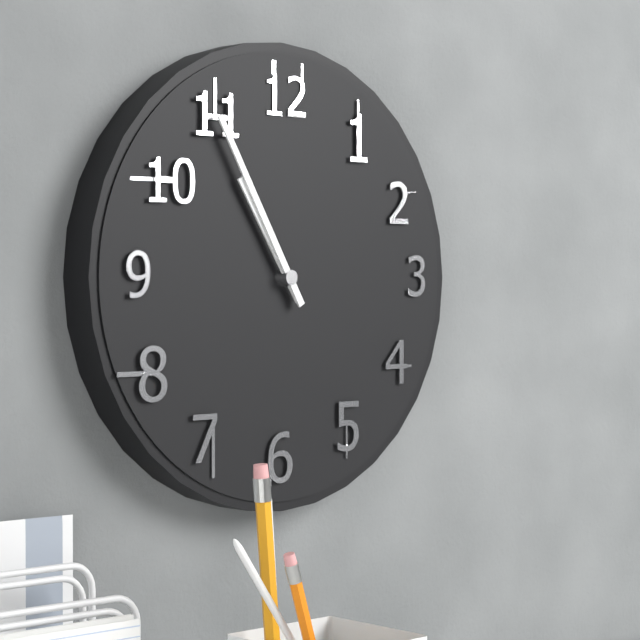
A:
10 h 55 min
